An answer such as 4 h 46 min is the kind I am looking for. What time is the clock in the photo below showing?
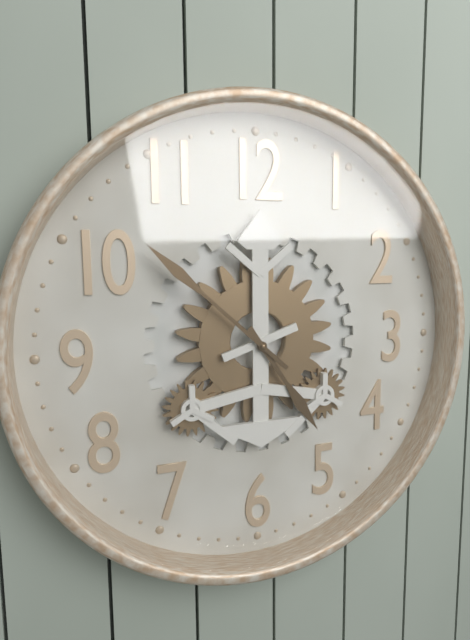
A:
4 h 52 min
